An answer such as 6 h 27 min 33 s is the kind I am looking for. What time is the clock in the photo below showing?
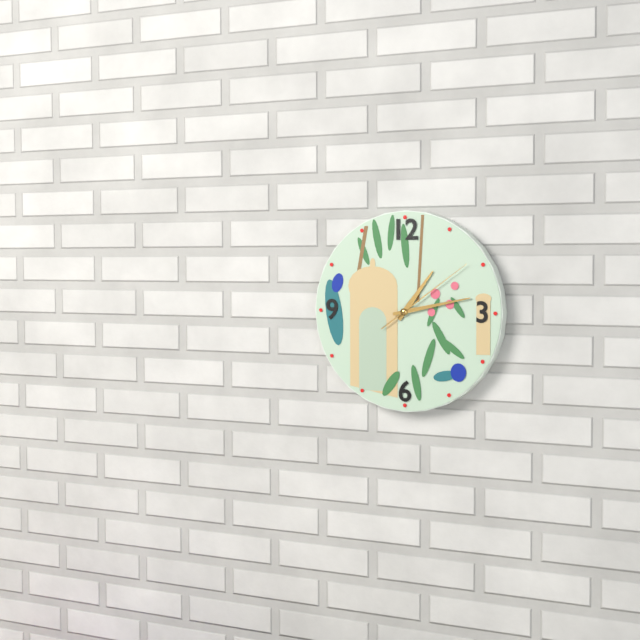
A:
1 h 13 min 09 s
